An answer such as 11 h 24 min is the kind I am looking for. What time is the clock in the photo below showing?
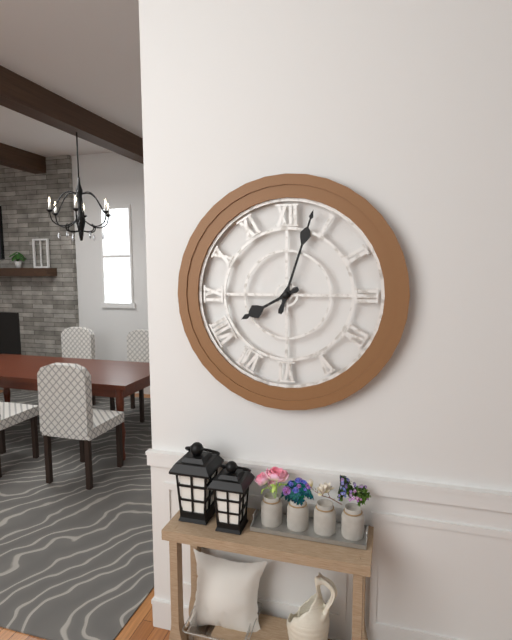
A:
8 h 03 min
